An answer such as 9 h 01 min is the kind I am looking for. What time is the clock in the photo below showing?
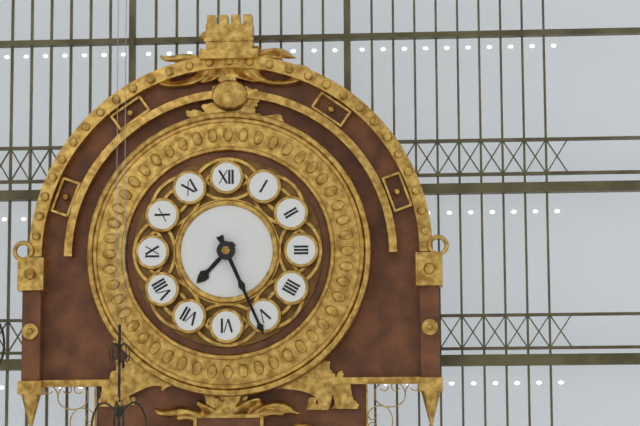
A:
7 h 26 min
